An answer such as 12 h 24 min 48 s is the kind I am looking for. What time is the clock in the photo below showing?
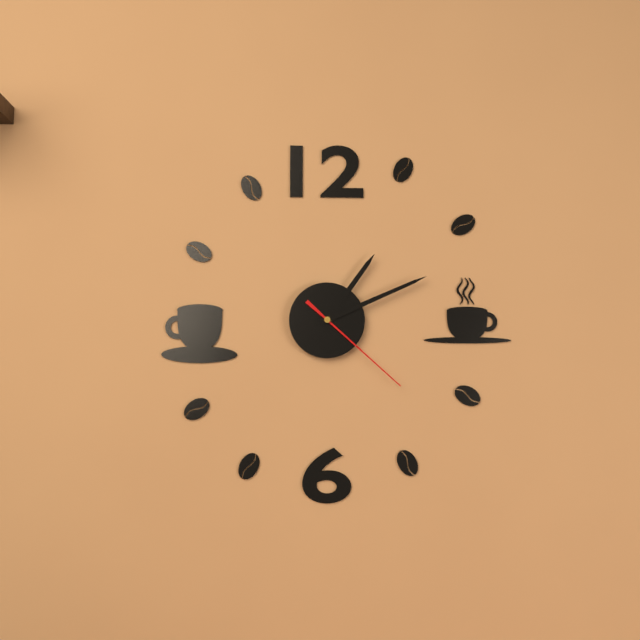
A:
1 h 11 min 22 s
